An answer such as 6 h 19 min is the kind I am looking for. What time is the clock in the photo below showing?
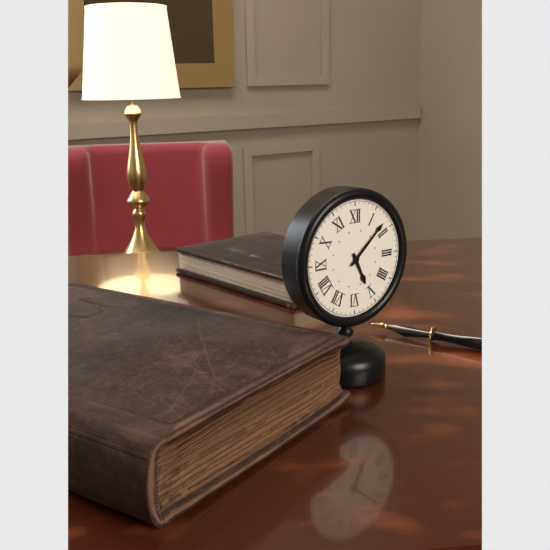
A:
5 h 08 min
